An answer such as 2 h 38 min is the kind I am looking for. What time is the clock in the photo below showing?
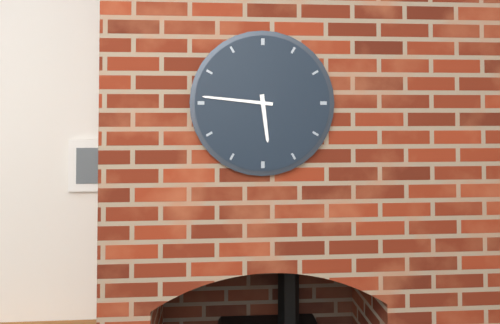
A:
5 h 46 min
